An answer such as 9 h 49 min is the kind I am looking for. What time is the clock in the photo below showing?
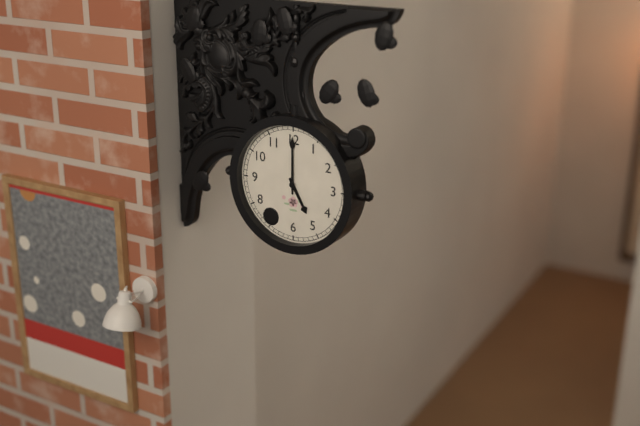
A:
5 h 00 min
